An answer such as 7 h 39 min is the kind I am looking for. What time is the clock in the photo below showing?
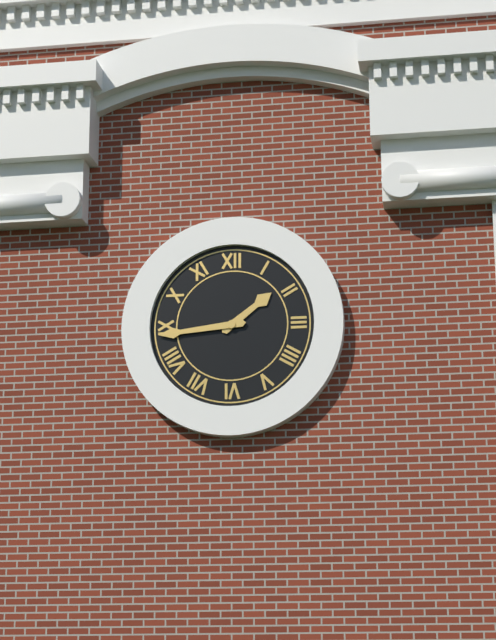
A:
1 h 44 min
